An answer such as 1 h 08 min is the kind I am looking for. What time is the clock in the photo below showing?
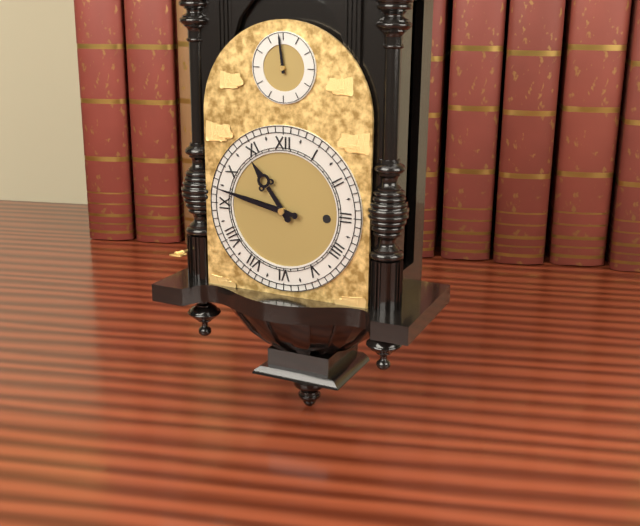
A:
10 h 47 min
